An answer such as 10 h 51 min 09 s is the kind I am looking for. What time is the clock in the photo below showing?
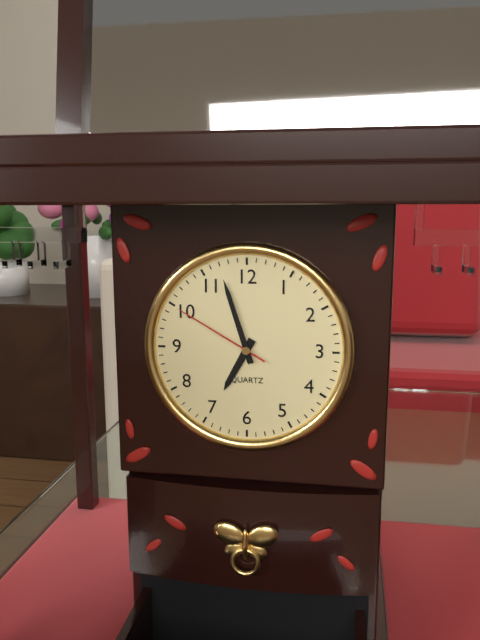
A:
6 h 57 min 50 s
